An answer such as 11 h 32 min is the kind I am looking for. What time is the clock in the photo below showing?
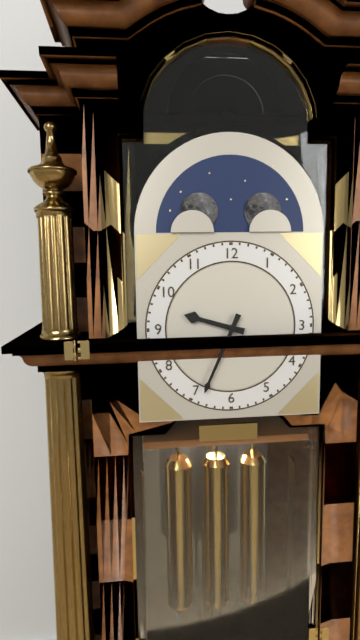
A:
9 h 34 min
